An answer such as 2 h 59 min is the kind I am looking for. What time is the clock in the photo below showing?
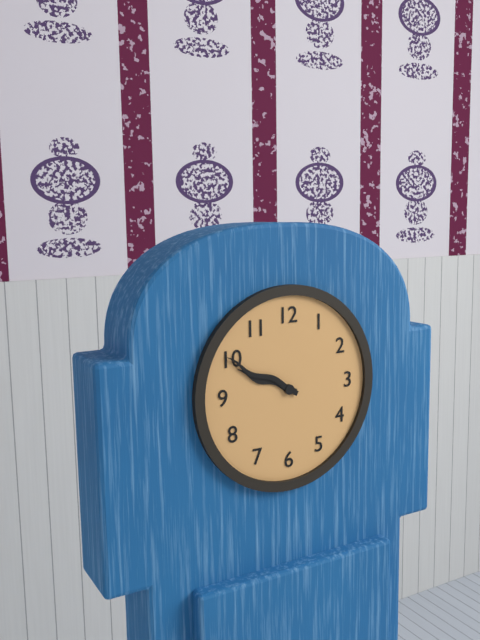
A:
9 h 50 min
